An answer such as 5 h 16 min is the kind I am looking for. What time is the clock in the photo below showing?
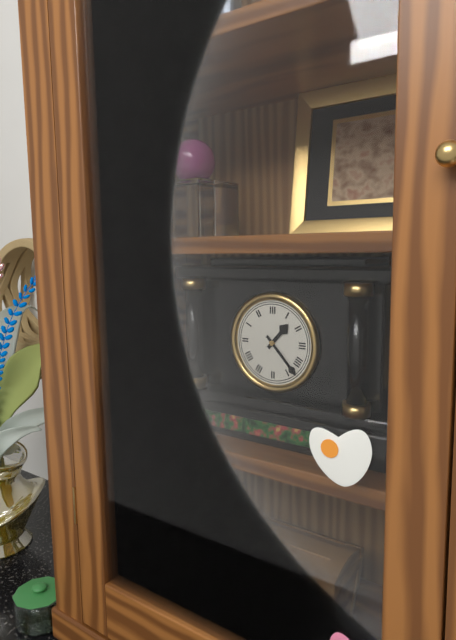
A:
1 h 23 min
